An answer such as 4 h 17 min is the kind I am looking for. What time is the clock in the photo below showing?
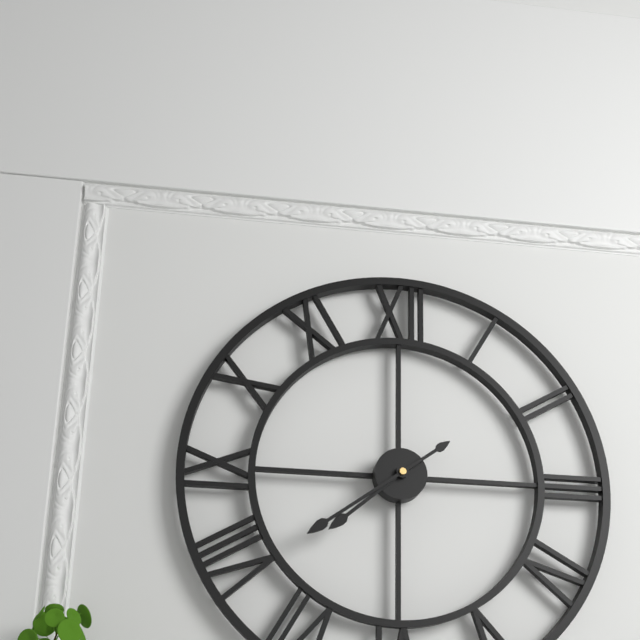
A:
7 h 39 min
